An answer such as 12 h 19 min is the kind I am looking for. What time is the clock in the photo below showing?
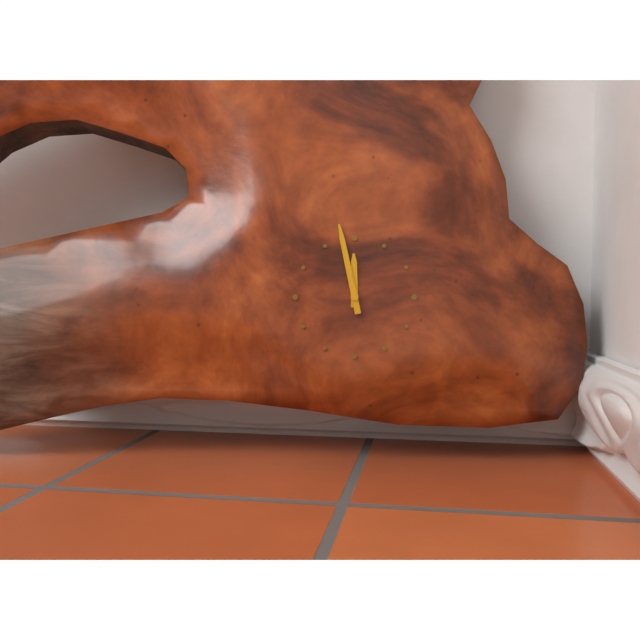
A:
11 h 58 min
